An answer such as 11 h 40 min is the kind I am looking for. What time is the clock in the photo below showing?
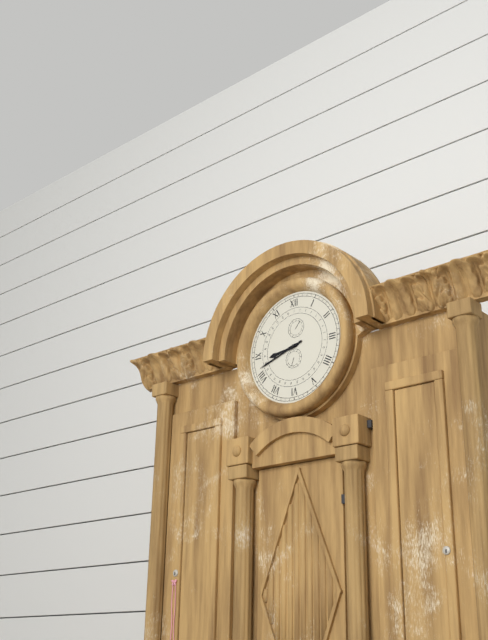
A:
8 h 42 min
